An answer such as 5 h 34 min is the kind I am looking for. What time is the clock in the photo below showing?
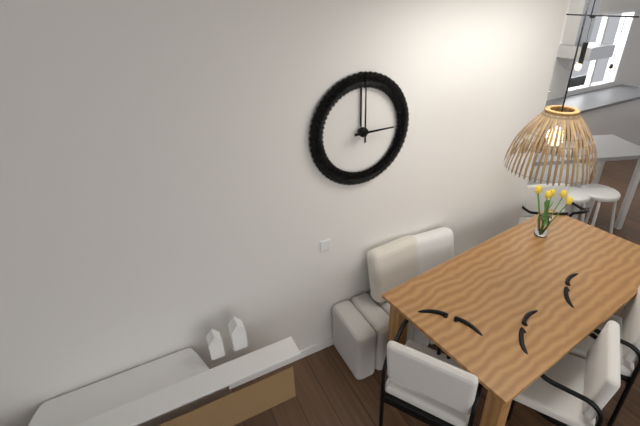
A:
3 h 00 min
